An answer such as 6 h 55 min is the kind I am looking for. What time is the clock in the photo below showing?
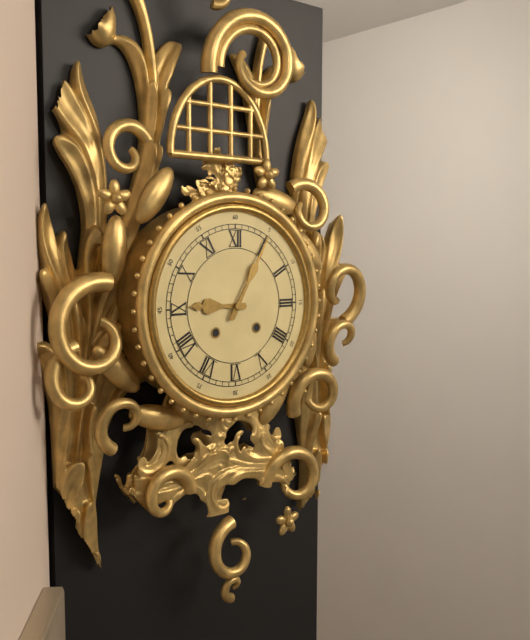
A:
9 h 05 min
